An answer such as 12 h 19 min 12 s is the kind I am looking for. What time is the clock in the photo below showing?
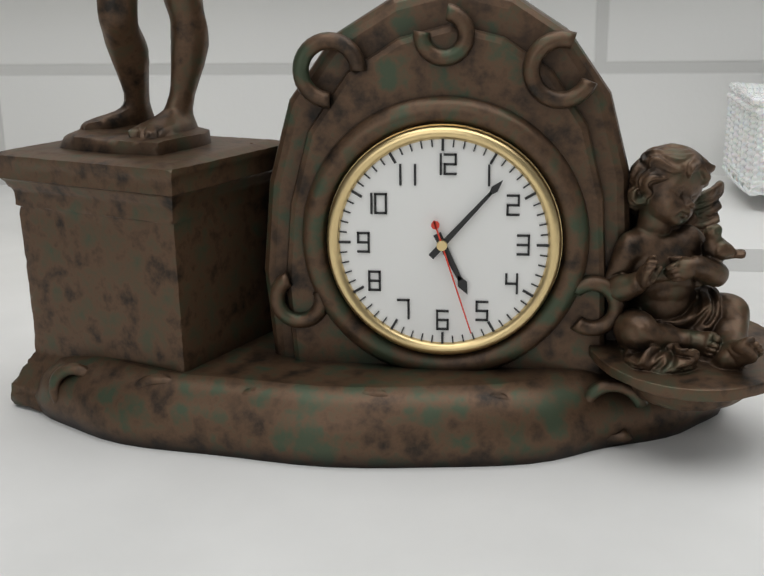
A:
5 h 07 min 27 s
